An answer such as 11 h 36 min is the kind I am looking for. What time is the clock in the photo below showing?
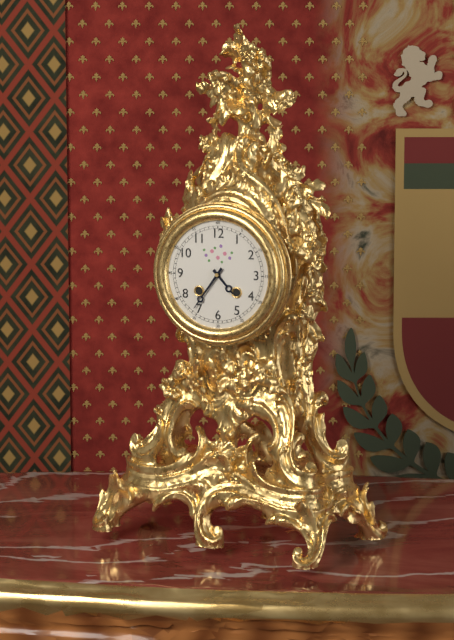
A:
4 h 36 min
